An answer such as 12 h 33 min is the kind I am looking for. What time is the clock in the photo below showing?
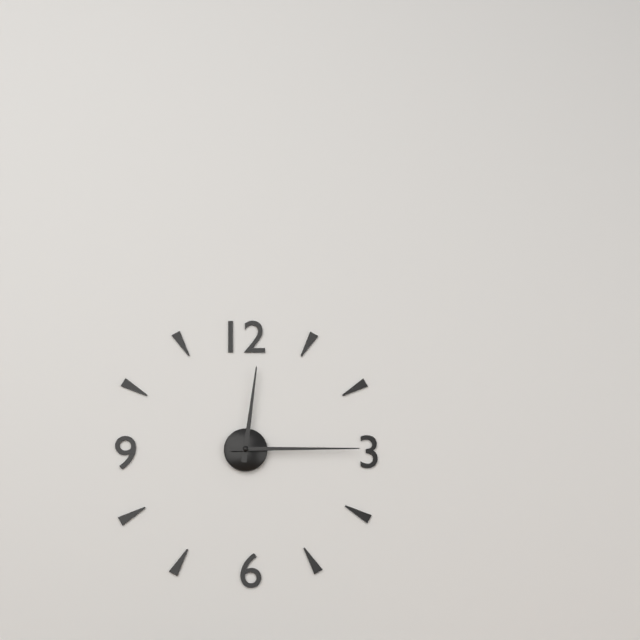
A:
12 h 15 min
